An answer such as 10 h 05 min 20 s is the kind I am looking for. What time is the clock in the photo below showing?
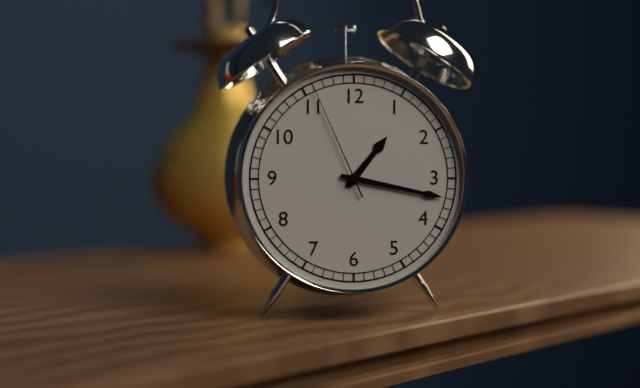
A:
1 h 17 min 56 s
